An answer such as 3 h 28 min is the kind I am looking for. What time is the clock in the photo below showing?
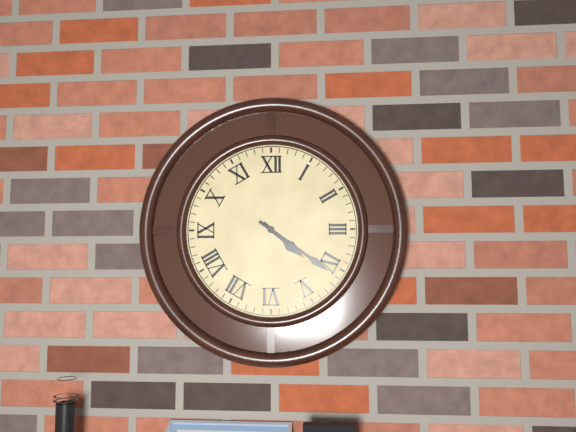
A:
4 h 21 min
